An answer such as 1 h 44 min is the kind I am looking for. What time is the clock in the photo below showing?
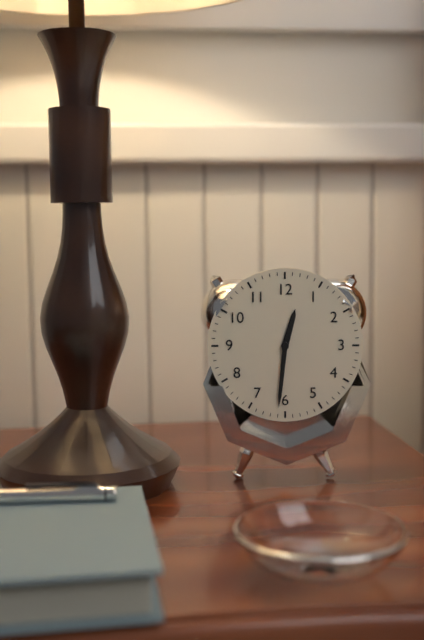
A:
12 h 31 min
